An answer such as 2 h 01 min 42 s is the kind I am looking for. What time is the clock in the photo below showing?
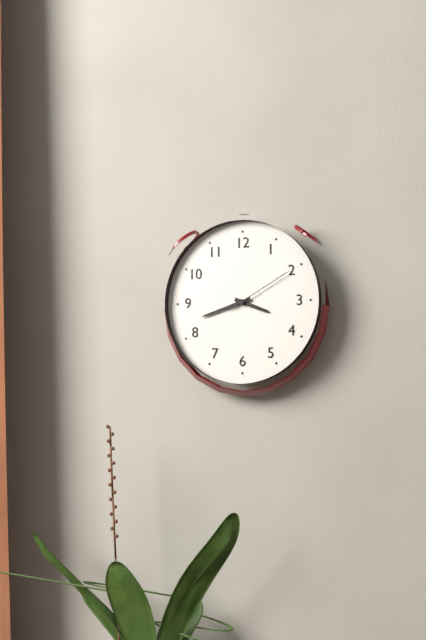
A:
3 h 42 min 10 s
